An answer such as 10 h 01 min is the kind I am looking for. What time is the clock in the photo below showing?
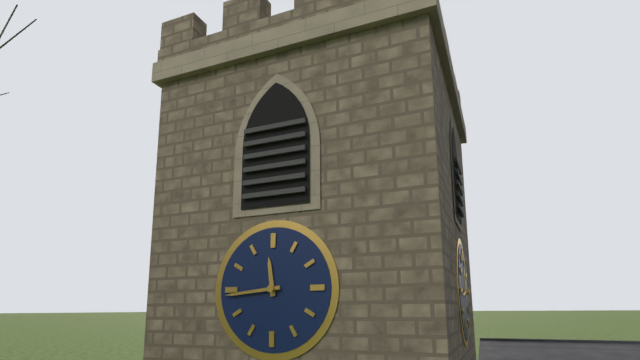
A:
11 h 44 min
